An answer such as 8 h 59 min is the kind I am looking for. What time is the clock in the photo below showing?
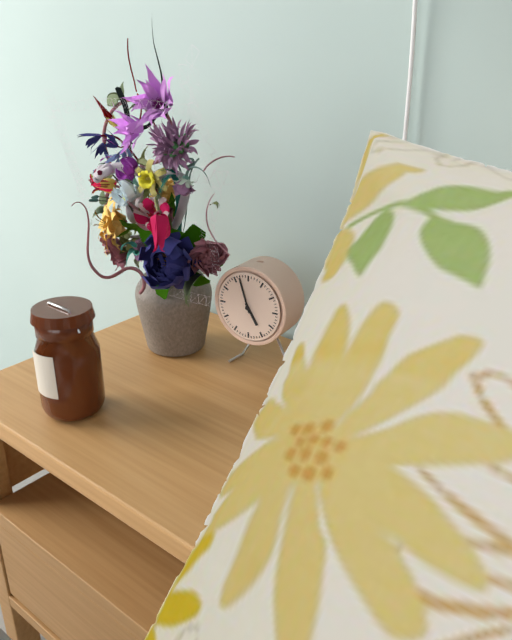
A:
4 h 57 min
